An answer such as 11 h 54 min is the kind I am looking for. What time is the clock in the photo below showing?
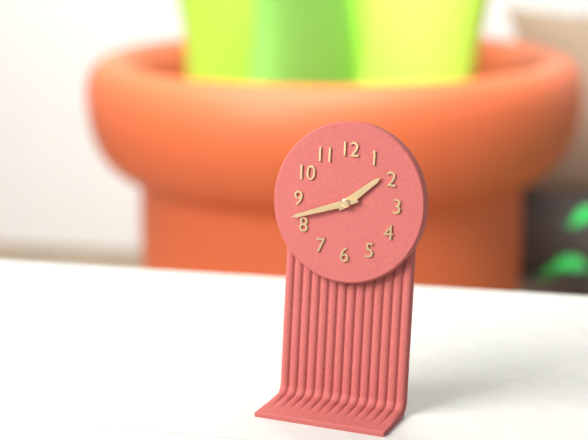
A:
1 h 42 min
